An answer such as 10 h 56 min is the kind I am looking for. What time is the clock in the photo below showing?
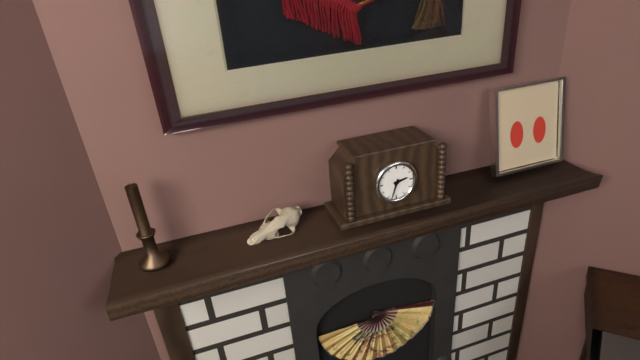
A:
2 h 33 min
